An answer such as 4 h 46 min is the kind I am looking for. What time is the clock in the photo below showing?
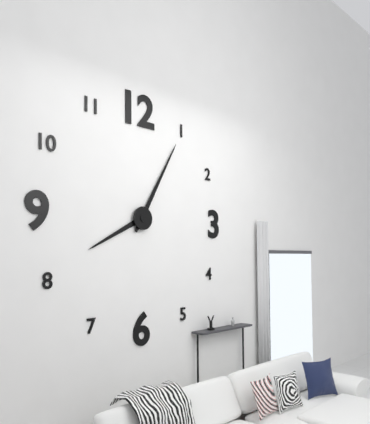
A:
8 h 05 min
